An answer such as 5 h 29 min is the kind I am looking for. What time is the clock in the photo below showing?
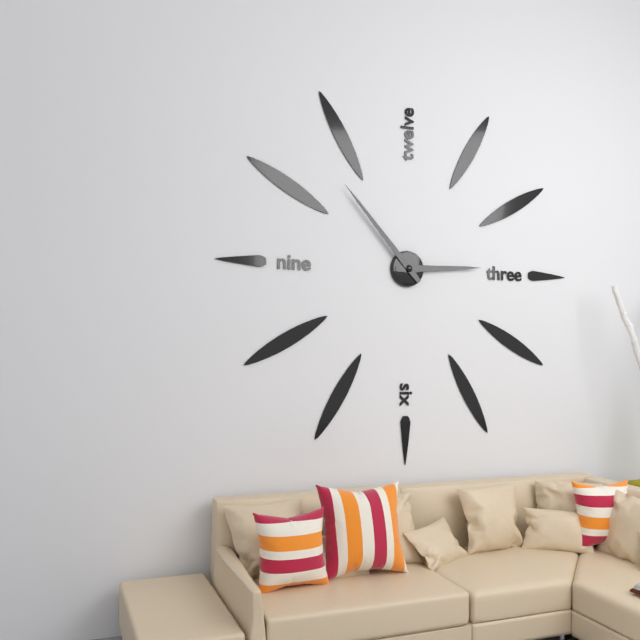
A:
2 h 53 min
